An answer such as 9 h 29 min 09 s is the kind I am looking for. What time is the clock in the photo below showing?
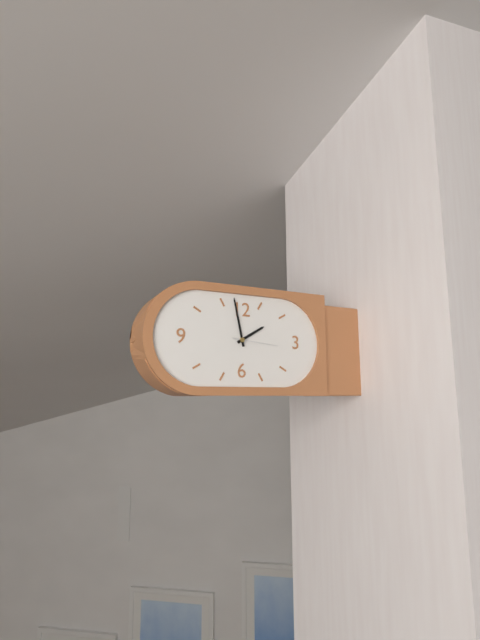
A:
1 h 58 min 16 s
